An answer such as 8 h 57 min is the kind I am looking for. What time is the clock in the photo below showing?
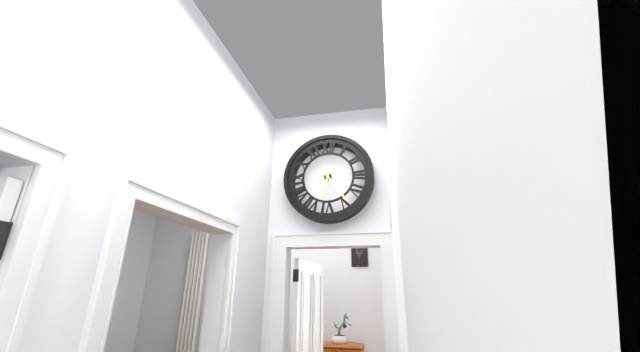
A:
6 h 24 min
